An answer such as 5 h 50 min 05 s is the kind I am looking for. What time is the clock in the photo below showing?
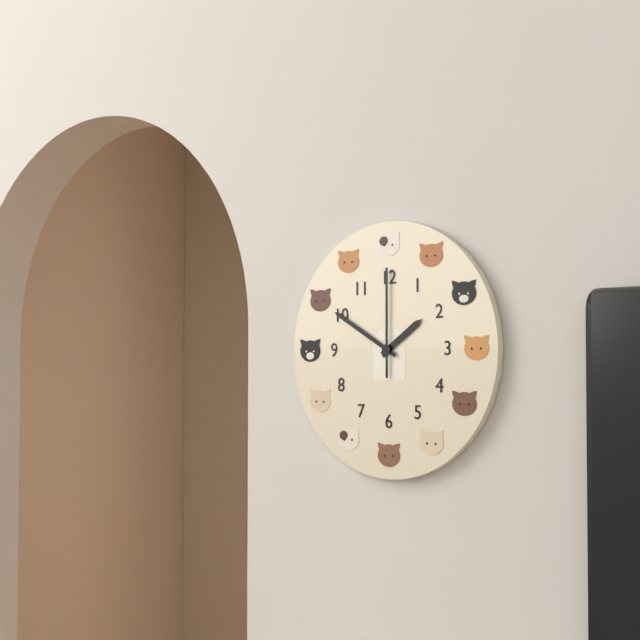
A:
1 h 50 min 00 s
